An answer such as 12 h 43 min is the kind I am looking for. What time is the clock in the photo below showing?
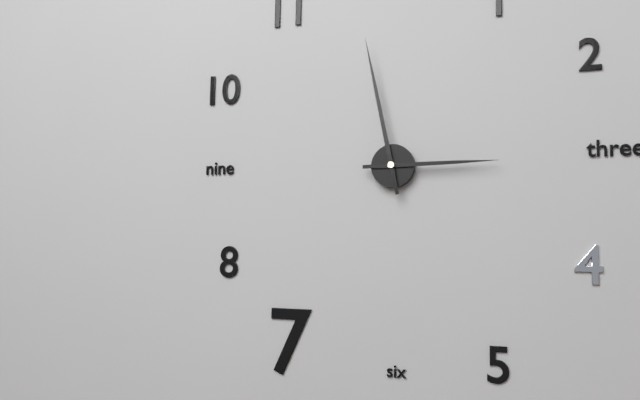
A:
2 h 58 min
